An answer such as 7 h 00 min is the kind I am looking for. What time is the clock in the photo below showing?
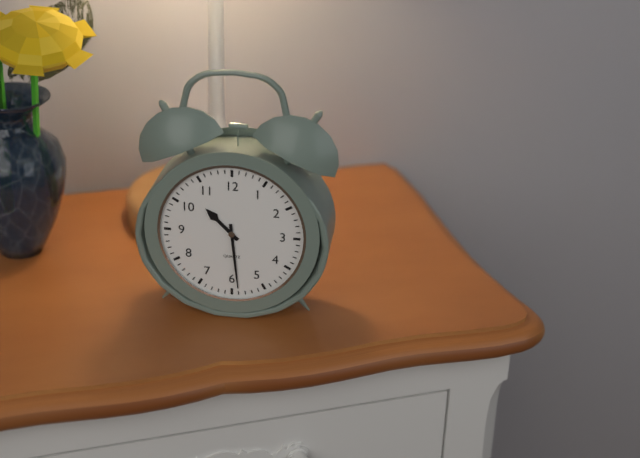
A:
10 h 29 min
